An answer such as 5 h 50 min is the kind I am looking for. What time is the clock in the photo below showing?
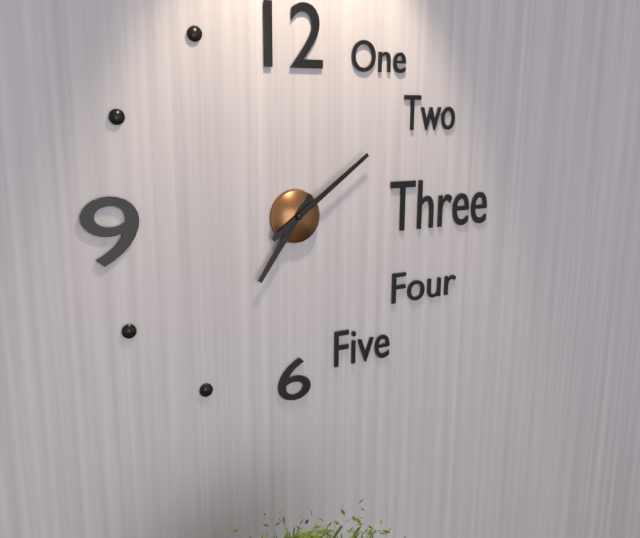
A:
7 h 09 min
